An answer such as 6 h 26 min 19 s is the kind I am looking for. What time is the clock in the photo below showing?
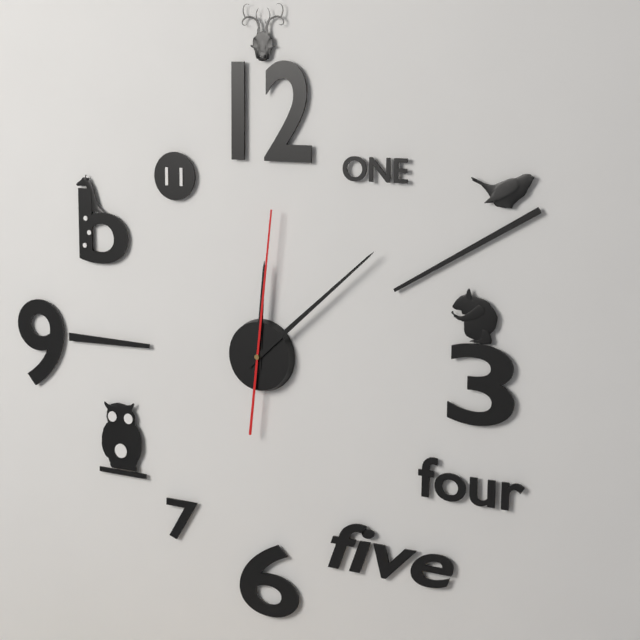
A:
12 h 08 min 01 s
